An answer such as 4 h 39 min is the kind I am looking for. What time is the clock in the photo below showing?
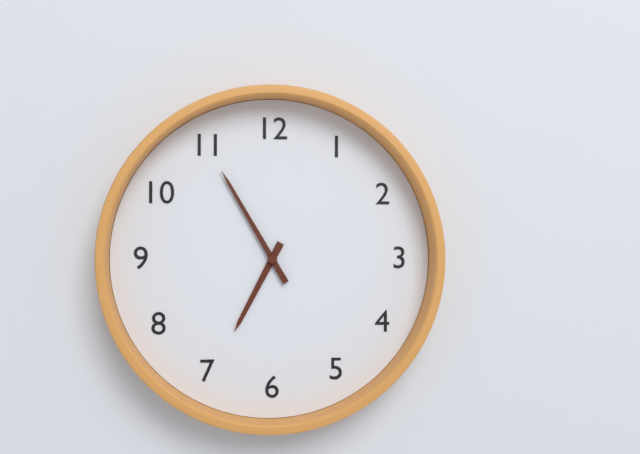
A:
6 h 55 min
